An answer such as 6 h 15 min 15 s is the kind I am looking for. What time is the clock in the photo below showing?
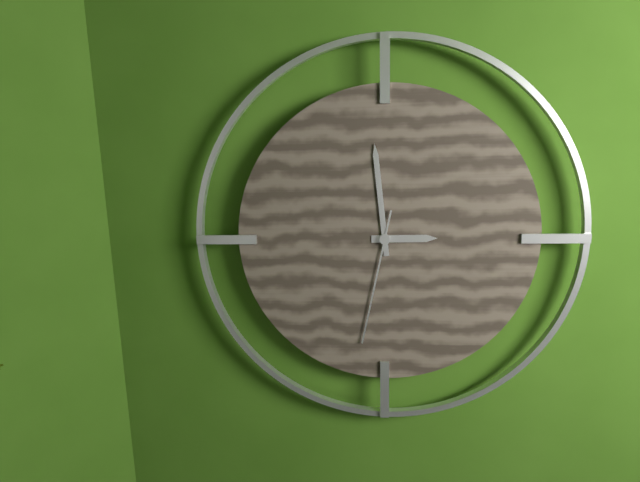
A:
2 h 59 min 32 s
